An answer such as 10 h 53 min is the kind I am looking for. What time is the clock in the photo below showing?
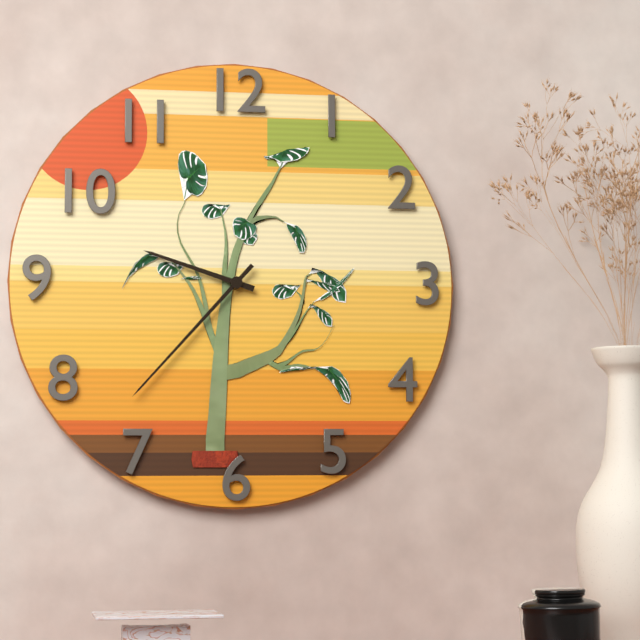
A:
9 h 37 min
